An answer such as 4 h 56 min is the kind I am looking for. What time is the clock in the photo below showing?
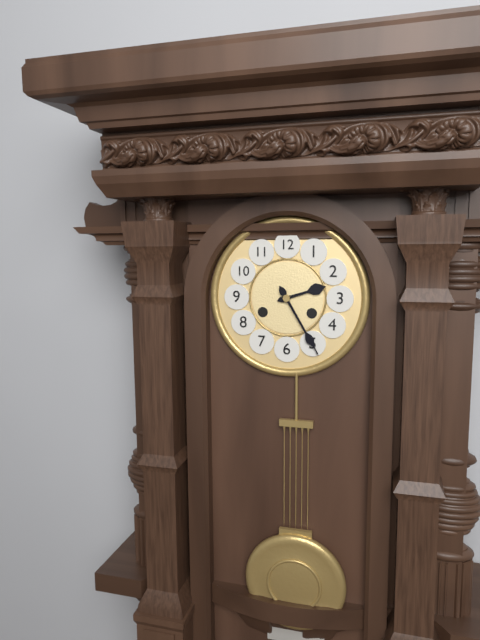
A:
2 h 25 min
